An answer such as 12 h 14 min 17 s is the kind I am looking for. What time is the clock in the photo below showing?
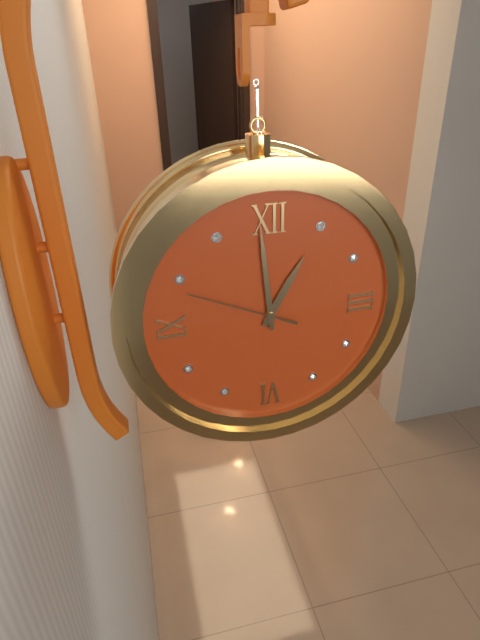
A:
12 h 59 min 49 s
